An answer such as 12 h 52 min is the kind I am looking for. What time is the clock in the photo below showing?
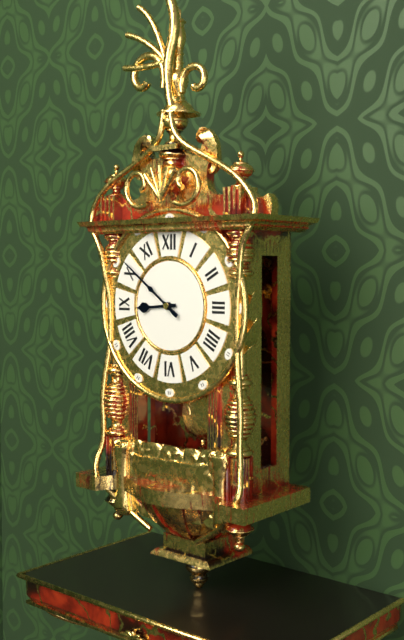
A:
8 h 51 min
